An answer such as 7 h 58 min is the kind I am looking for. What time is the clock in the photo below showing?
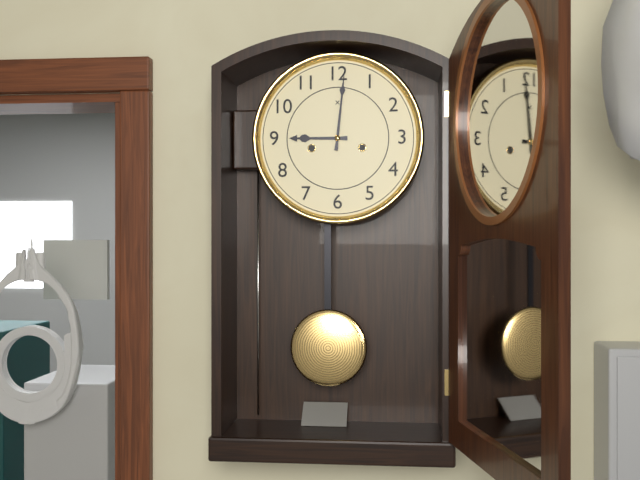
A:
9 h 01 min
